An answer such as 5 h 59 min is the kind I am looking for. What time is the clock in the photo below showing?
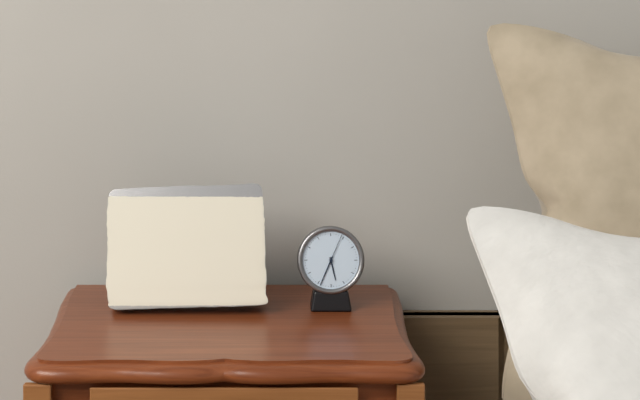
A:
5 h 34 min
